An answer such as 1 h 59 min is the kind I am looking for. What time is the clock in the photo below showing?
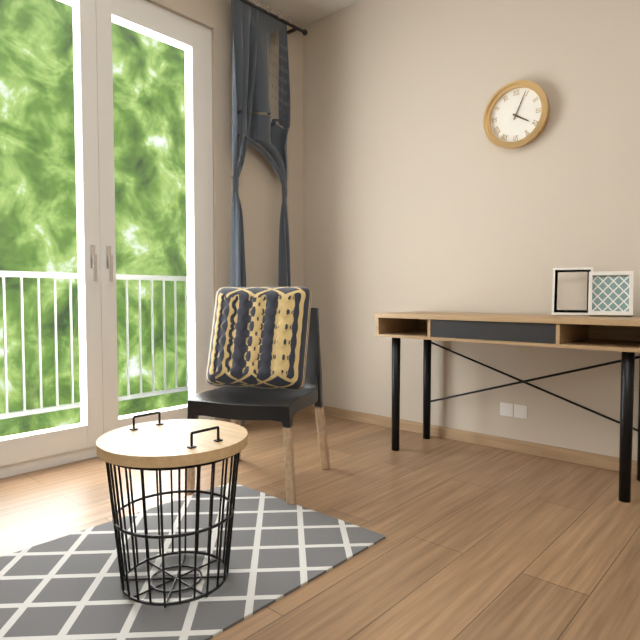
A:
4 h 04 min
